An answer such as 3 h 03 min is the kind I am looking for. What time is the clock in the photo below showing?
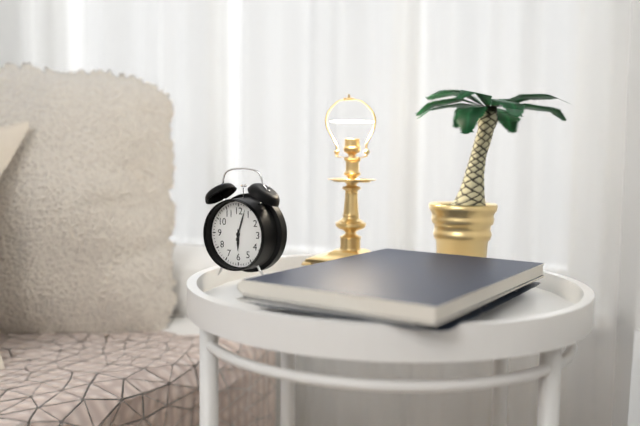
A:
6 h 03 min
